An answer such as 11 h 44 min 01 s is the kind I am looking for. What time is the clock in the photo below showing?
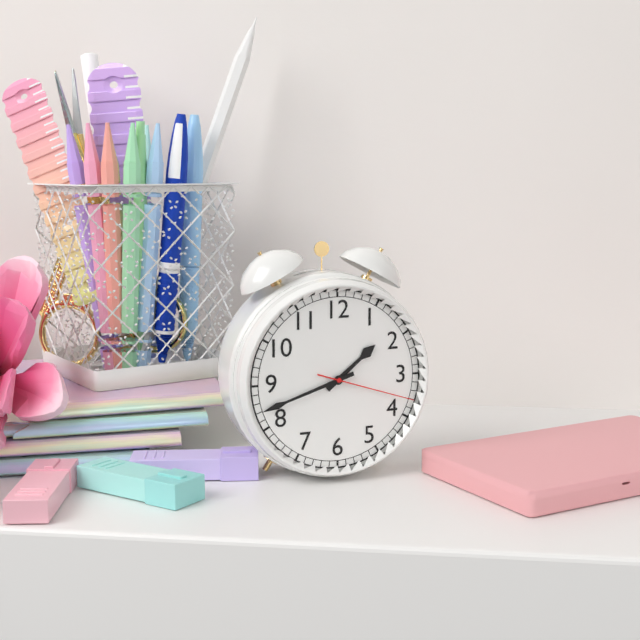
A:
1 h 42 min 18 s
